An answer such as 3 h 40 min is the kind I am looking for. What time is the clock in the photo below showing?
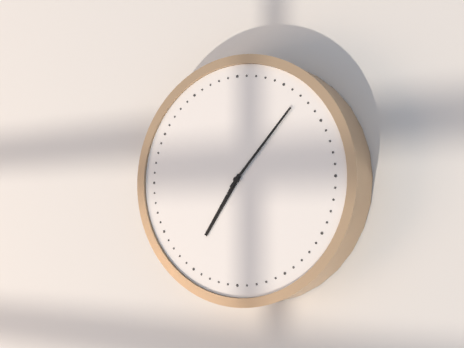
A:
7 h 07 min
